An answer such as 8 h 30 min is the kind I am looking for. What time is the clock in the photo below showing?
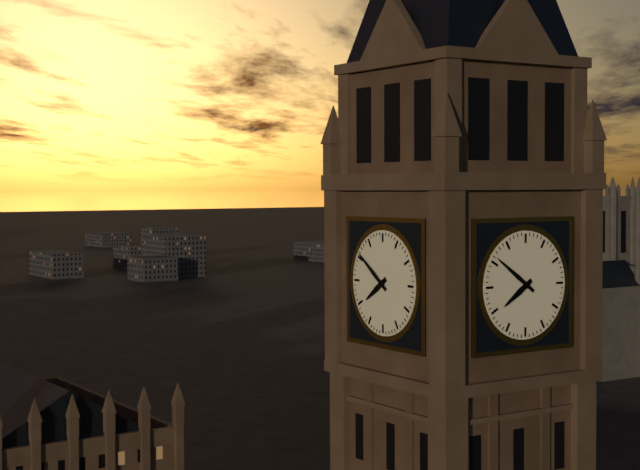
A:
7 h 51 min
